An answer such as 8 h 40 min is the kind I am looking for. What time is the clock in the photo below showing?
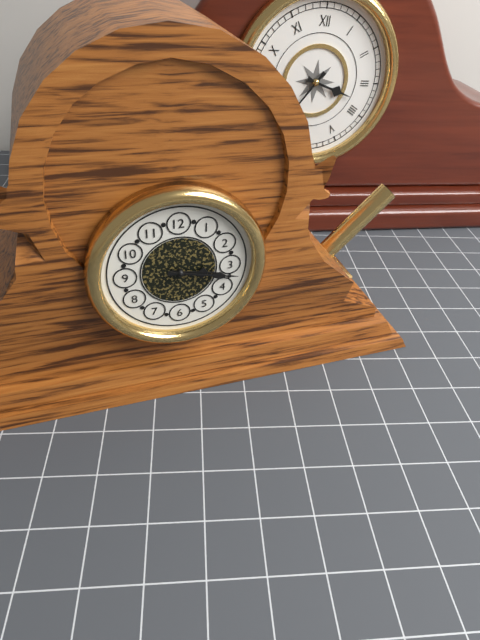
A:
3 h 17 min
